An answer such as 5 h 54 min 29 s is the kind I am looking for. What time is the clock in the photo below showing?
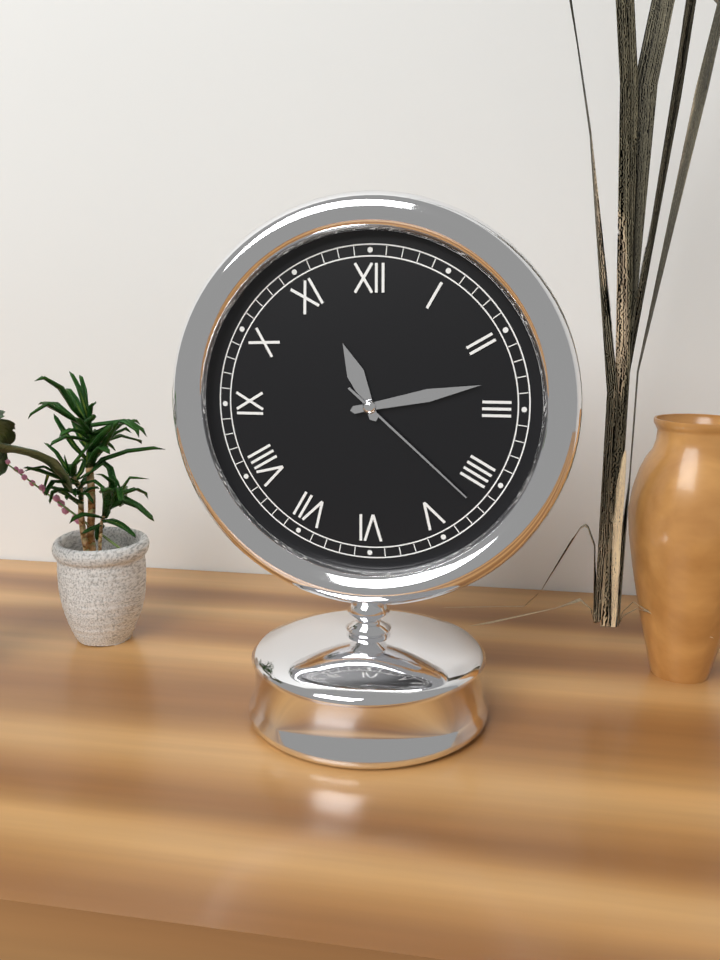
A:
11 h 13 min 22 s
